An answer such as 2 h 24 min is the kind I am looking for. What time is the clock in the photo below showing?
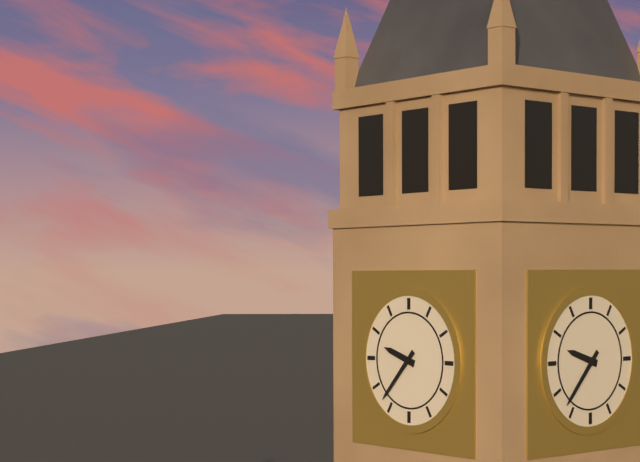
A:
9 h 37 min
